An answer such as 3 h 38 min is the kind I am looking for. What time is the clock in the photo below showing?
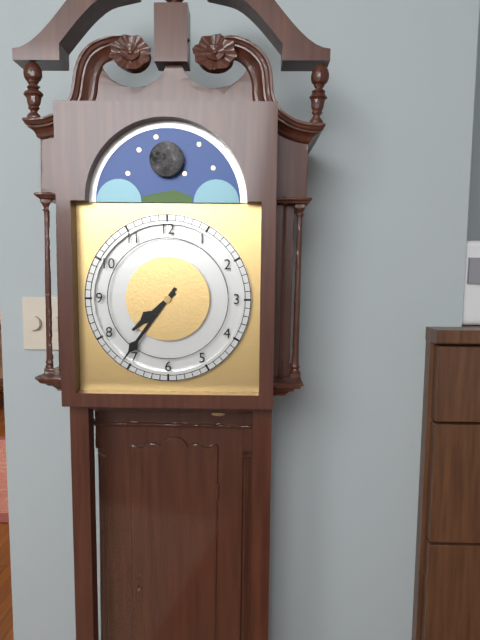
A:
7 h 36 min
